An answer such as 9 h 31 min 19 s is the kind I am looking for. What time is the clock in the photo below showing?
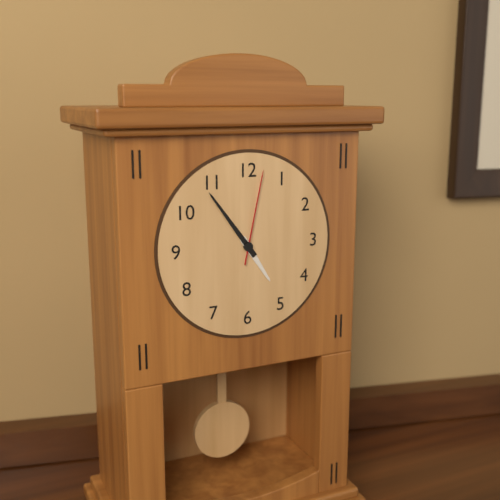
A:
4 h 54 min 02 s
